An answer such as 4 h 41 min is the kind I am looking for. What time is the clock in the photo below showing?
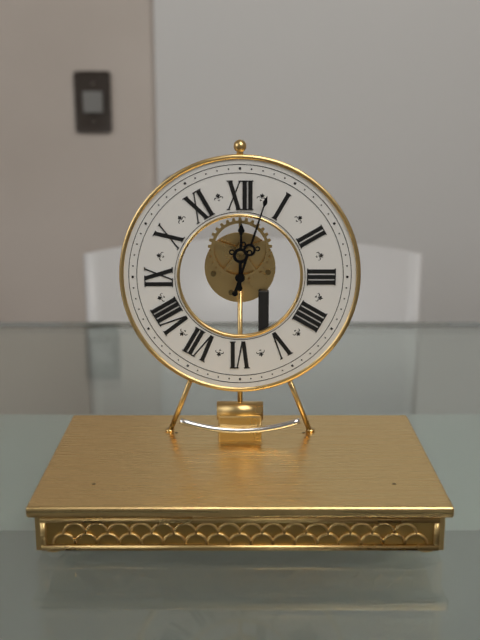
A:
12 h 03 min
